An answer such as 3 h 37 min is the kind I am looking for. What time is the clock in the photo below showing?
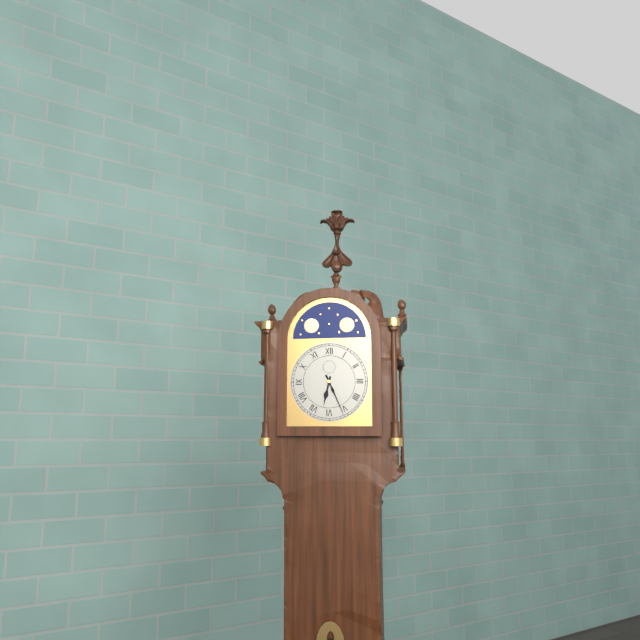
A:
6 h 26 min
